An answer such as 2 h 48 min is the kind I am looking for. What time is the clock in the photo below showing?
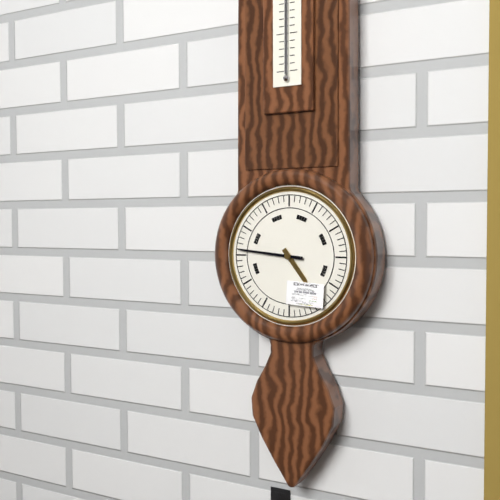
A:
4 h 46 min
